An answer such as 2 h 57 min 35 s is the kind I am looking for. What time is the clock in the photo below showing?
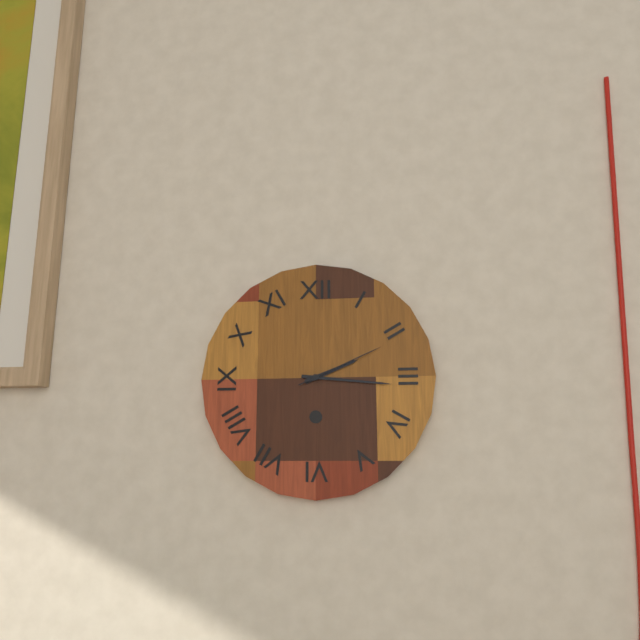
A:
2 h 16 min 11 s
